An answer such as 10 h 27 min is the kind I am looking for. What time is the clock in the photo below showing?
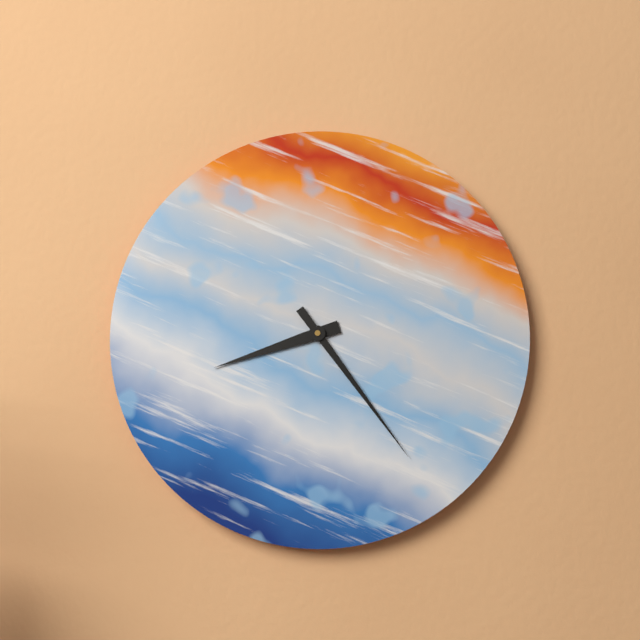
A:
8 h 24 min
